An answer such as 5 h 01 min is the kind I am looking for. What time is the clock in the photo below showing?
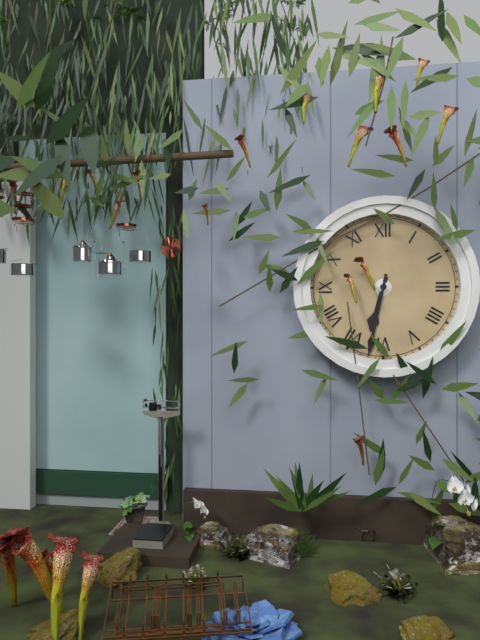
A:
6 h 32 min
